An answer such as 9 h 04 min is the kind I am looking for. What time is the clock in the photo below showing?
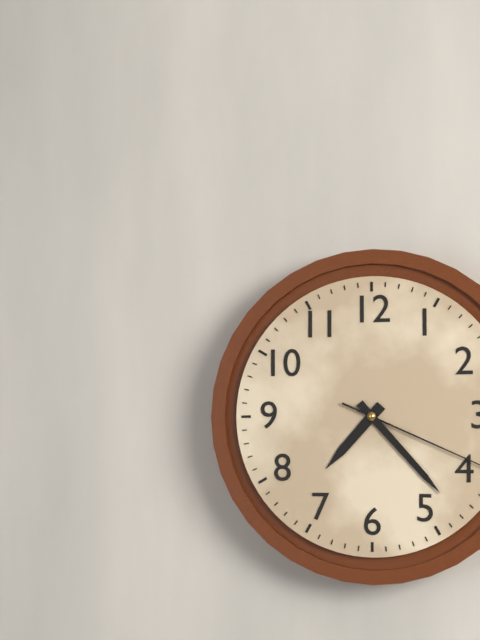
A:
7 h 23 min
